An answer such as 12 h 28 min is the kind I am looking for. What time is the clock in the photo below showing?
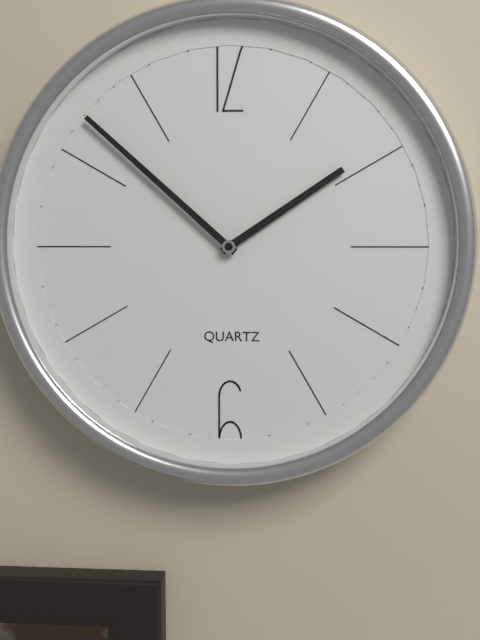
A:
1 h 52 min
